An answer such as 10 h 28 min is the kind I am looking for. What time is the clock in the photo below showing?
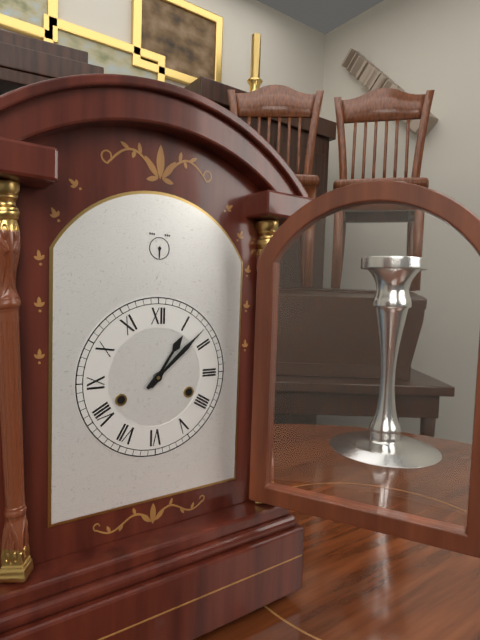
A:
1 h 08 min
